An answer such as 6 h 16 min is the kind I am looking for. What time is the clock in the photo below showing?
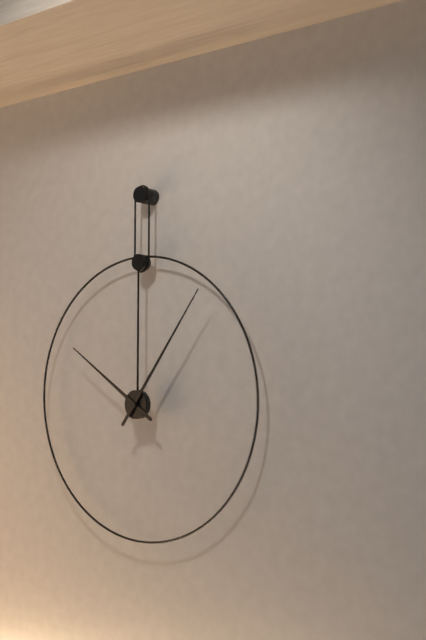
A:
10 h 06 min
